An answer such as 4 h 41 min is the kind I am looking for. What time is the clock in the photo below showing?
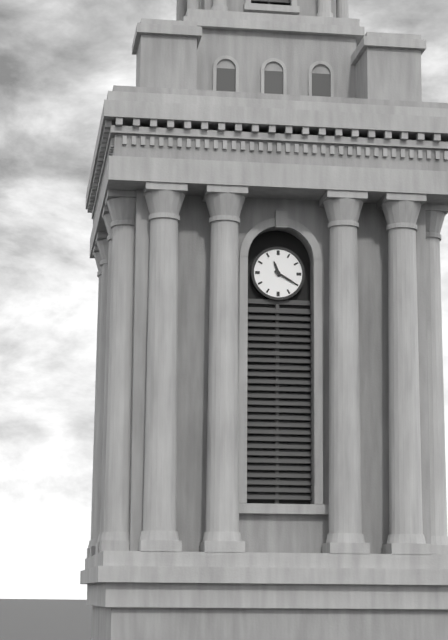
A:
11 h 20 min
